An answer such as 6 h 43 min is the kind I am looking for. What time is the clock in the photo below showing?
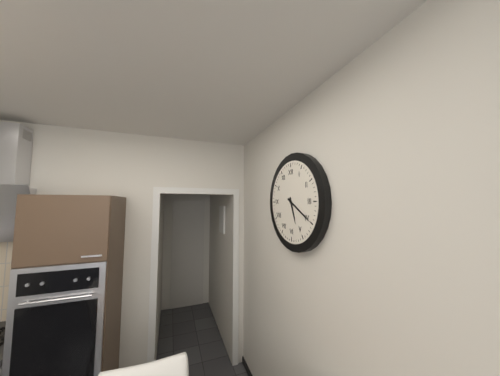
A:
5 h 20 min
